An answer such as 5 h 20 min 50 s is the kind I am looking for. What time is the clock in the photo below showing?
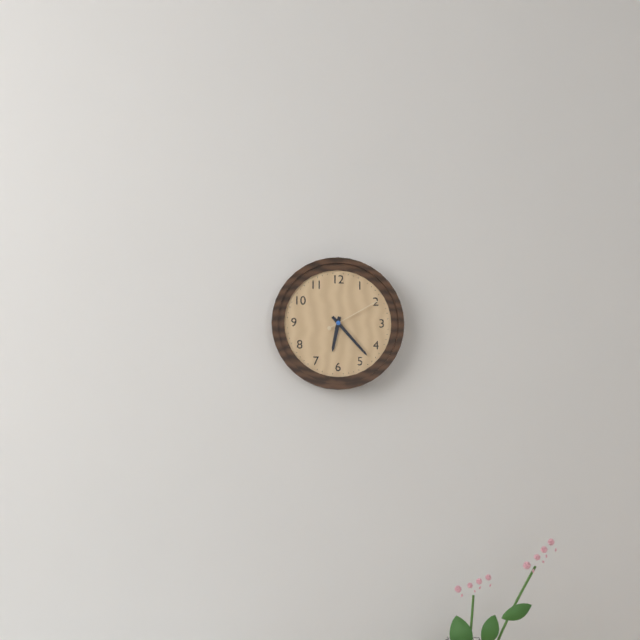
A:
6 h 23 min 10 s
